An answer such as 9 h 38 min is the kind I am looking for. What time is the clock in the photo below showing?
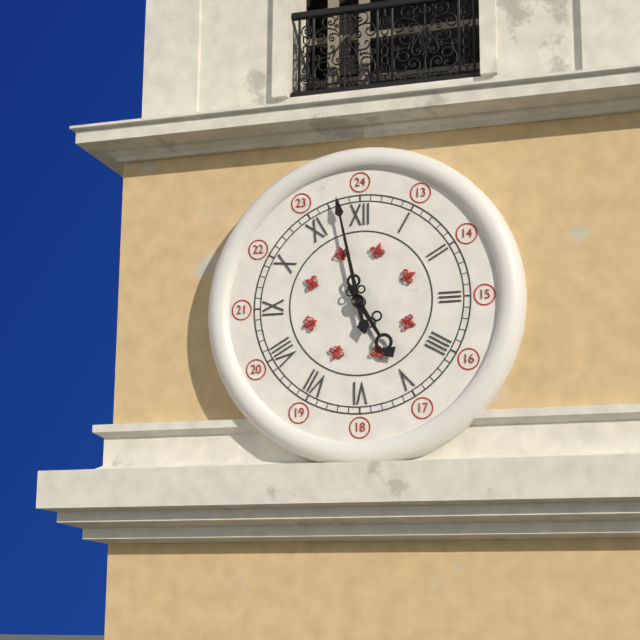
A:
4 h 58 min
